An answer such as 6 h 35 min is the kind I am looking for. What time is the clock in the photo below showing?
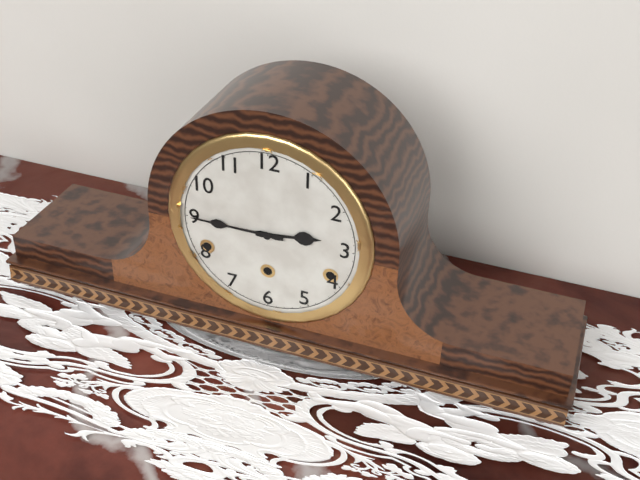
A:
2 h 45 min
